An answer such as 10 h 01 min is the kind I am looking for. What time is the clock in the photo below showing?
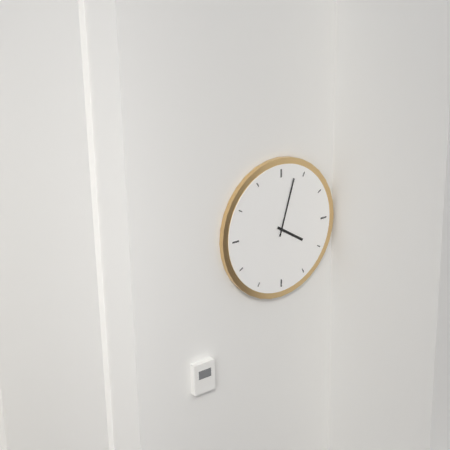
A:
4 h 03 min
